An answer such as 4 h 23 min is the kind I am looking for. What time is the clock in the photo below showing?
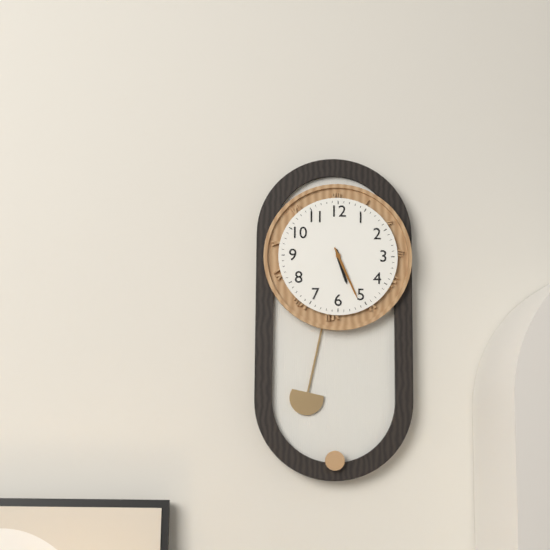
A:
5 h 26 min
